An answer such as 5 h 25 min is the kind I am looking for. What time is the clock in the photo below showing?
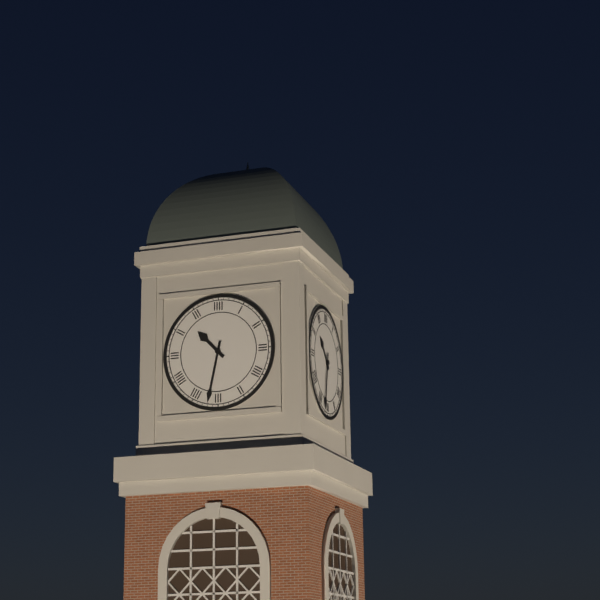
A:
10 h 32 min
